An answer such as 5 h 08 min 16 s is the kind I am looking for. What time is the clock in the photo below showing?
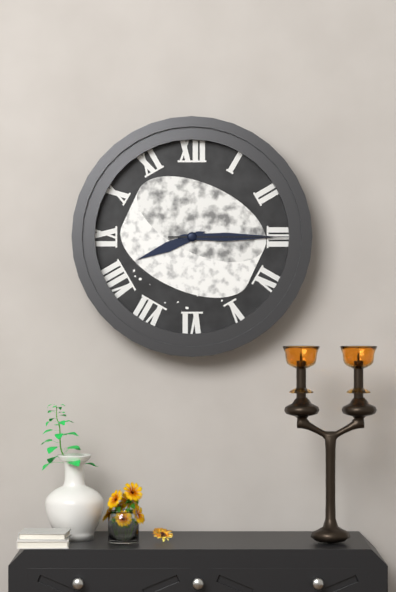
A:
8 h 15 min 15 s
